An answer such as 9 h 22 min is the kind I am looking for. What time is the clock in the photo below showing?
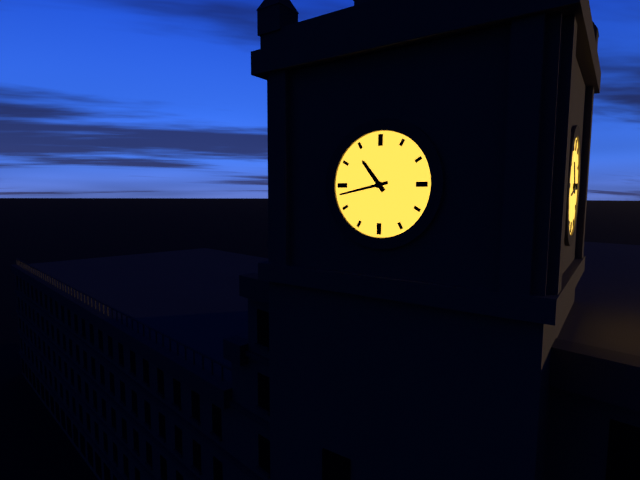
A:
10 h 43 min
